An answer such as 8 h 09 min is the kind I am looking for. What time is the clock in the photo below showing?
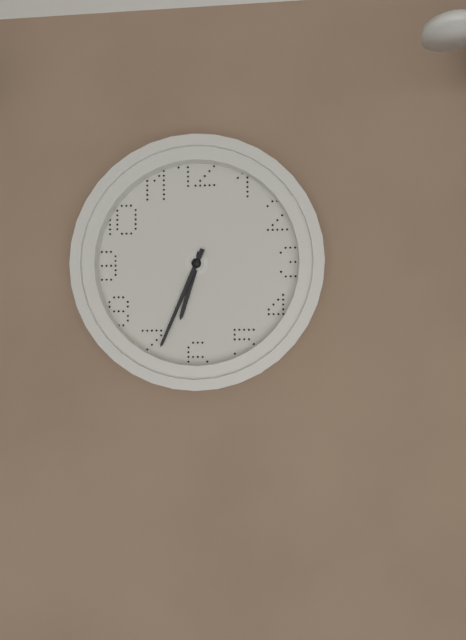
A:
6 h 34 min
